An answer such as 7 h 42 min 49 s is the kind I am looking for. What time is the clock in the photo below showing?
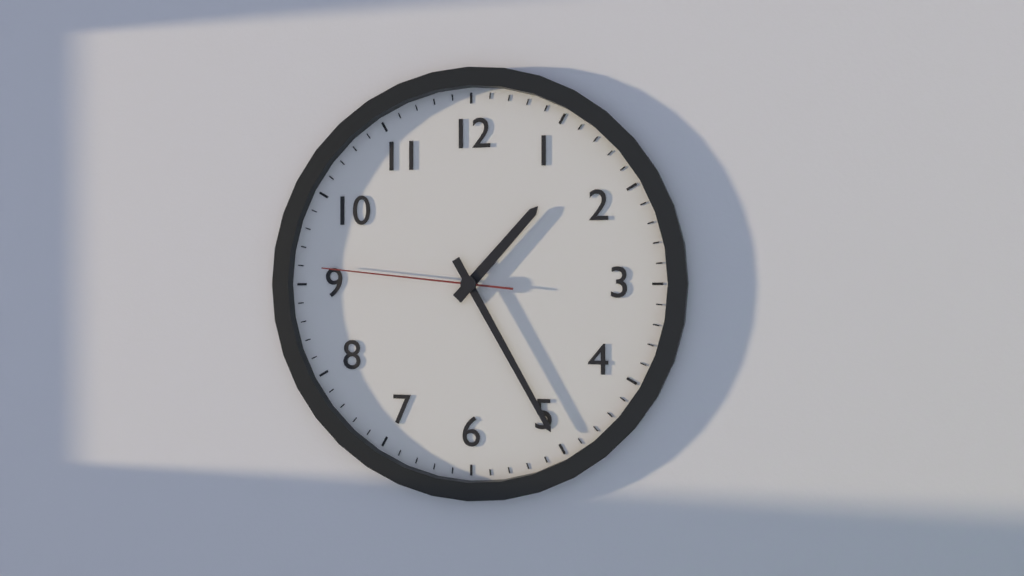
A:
1 h 25 min 46 s
